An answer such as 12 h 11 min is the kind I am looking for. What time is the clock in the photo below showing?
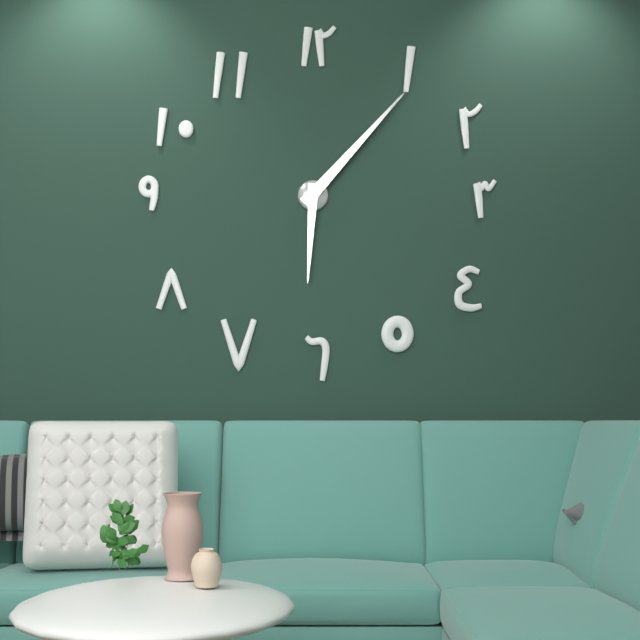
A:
6 h 07 min
